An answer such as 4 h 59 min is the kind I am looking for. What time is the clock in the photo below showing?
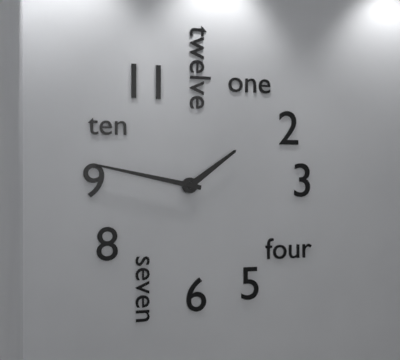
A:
1 h 47 min
